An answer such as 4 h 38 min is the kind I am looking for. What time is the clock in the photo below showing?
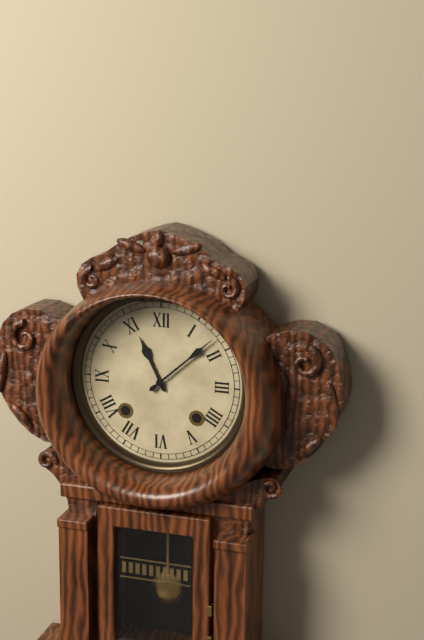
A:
11 h 08 min
